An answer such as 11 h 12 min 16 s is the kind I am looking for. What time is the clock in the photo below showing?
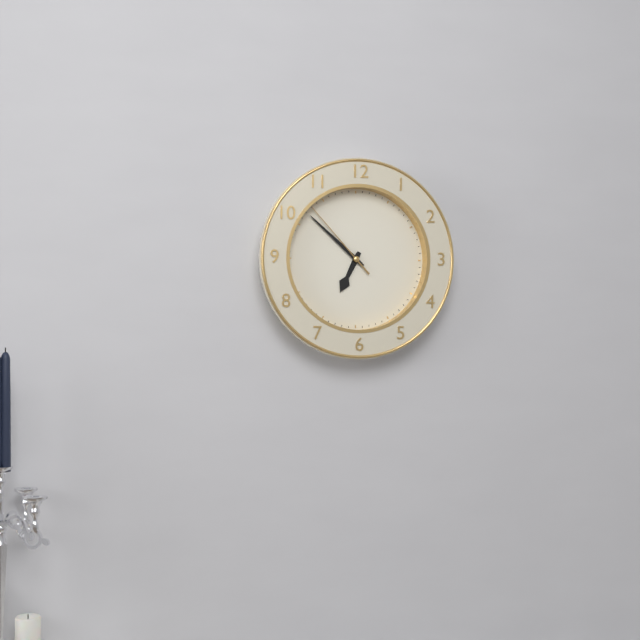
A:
6 h 52 min 53 s
